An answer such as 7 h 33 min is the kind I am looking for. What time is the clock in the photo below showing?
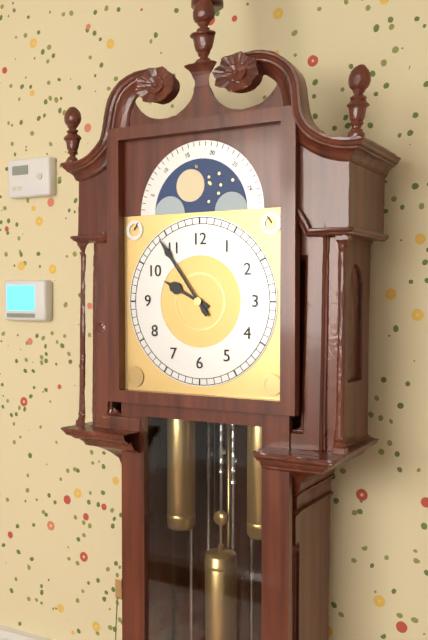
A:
9 h 54 min
